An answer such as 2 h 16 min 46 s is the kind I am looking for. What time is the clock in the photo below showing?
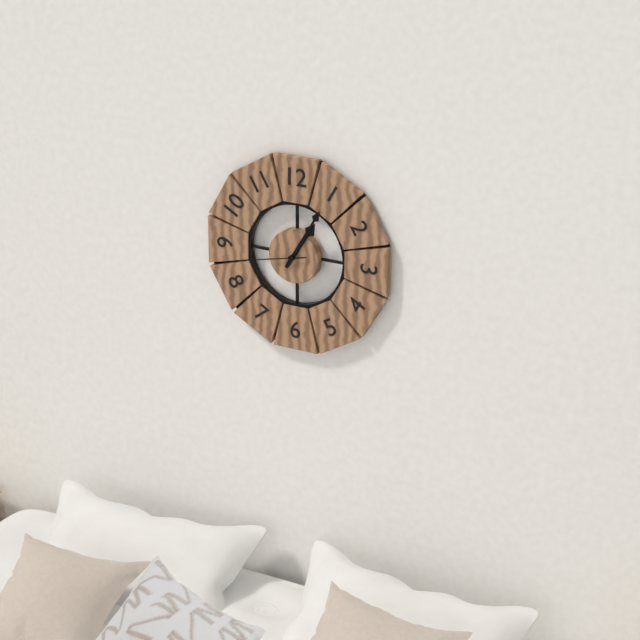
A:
1 h 05 min 43 s
